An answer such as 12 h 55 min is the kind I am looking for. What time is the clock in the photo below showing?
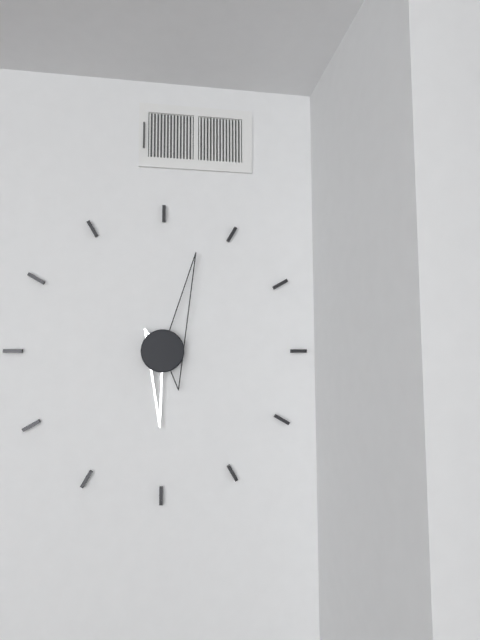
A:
6 h 03 min
